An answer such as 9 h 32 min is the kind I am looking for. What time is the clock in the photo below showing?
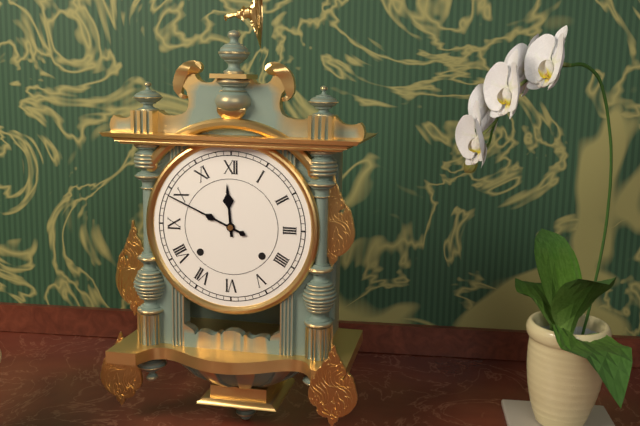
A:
11 h 49 min
